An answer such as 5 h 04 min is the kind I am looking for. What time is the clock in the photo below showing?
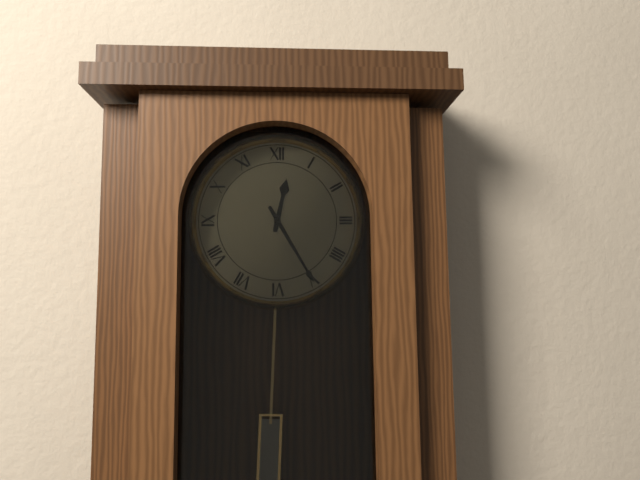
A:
12 h 25 min
